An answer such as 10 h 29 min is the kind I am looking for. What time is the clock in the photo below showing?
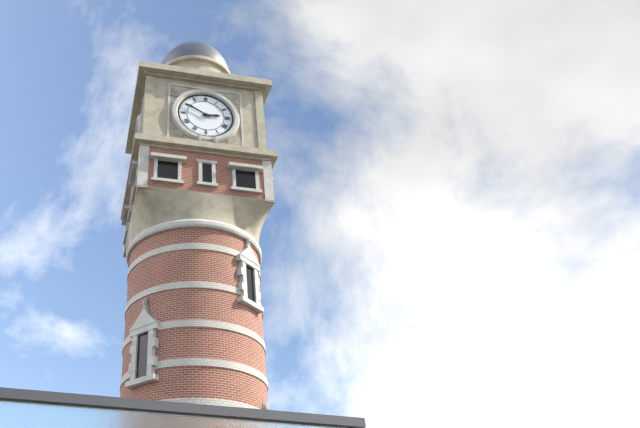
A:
2 h 50 min
